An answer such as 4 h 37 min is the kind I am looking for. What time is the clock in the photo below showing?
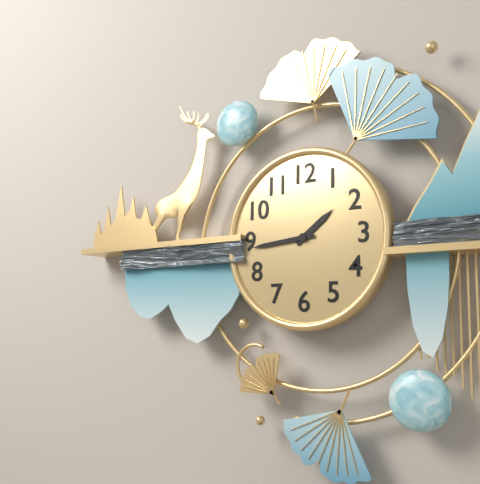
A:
1 h 44 min
